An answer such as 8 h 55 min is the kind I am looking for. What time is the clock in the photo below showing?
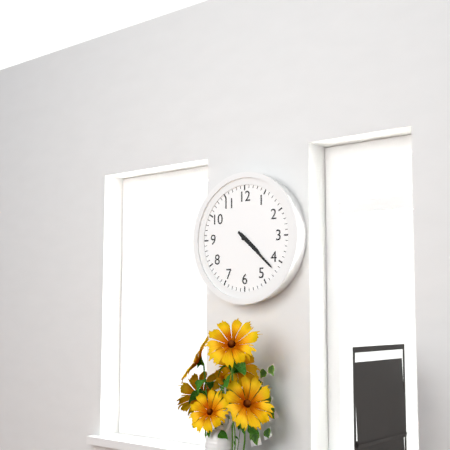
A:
4 h 22 min
